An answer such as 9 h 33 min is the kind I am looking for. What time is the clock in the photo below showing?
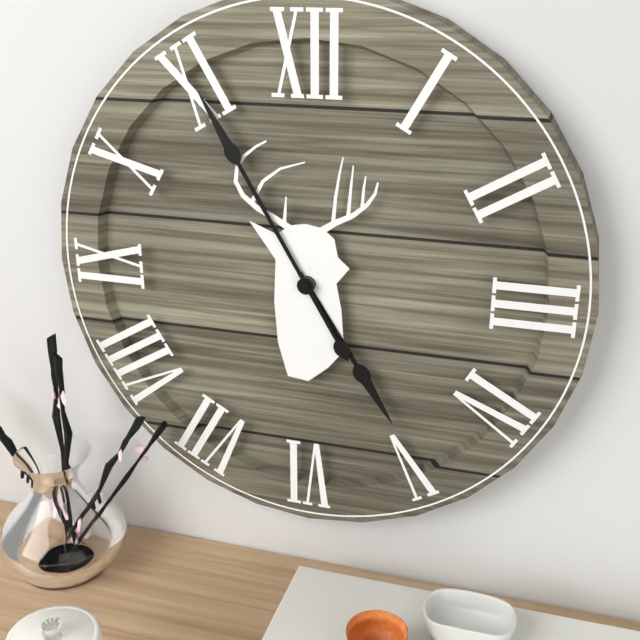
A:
4 h 55 min
